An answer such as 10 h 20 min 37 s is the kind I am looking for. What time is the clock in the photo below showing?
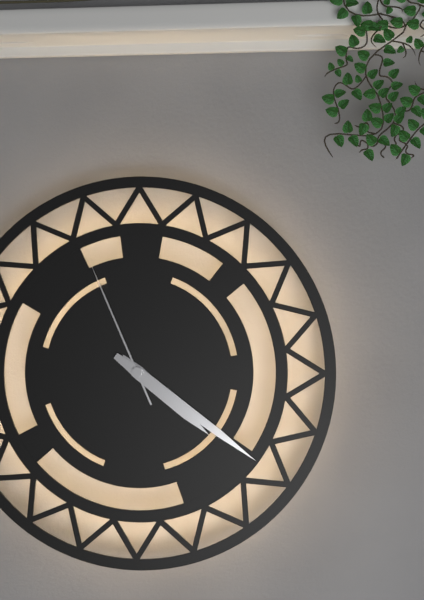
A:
4 h 21 min 56 s
